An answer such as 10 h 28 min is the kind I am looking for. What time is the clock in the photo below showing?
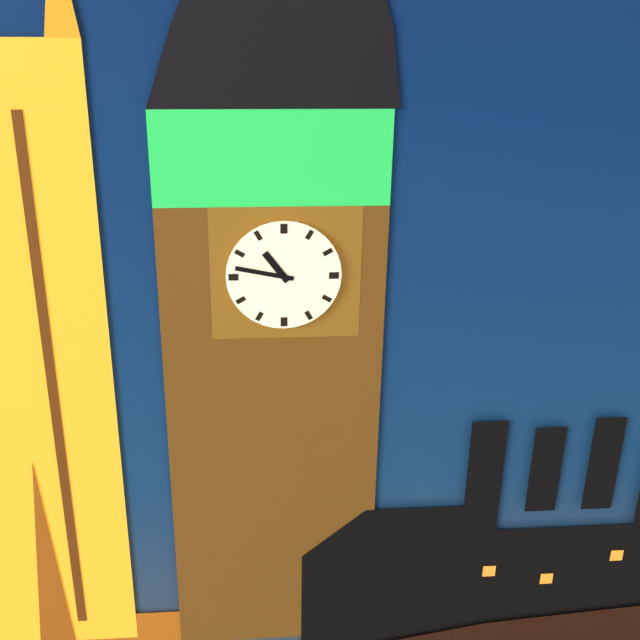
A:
10 h 47 min
